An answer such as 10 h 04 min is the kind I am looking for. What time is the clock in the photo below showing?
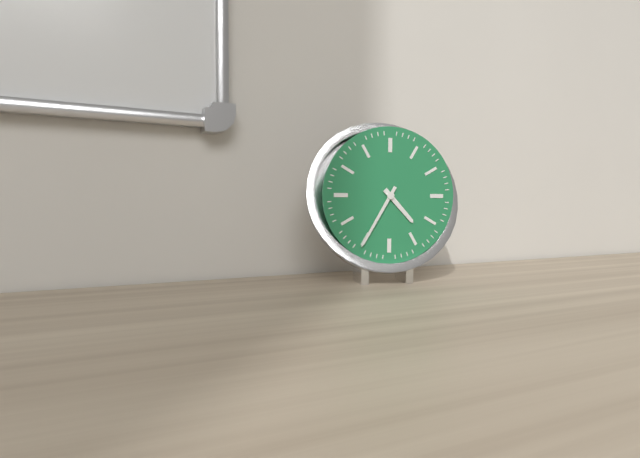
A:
4 h 35 min
